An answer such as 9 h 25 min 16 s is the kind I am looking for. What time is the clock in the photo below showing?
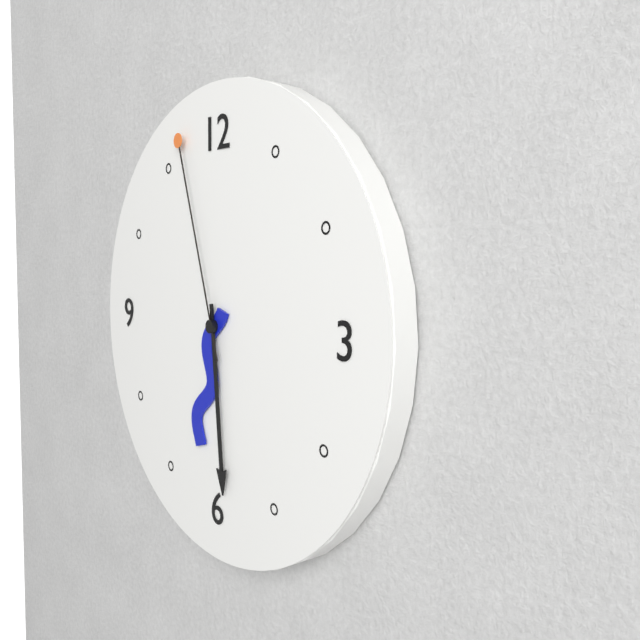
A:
6 h 29 min 57 s
